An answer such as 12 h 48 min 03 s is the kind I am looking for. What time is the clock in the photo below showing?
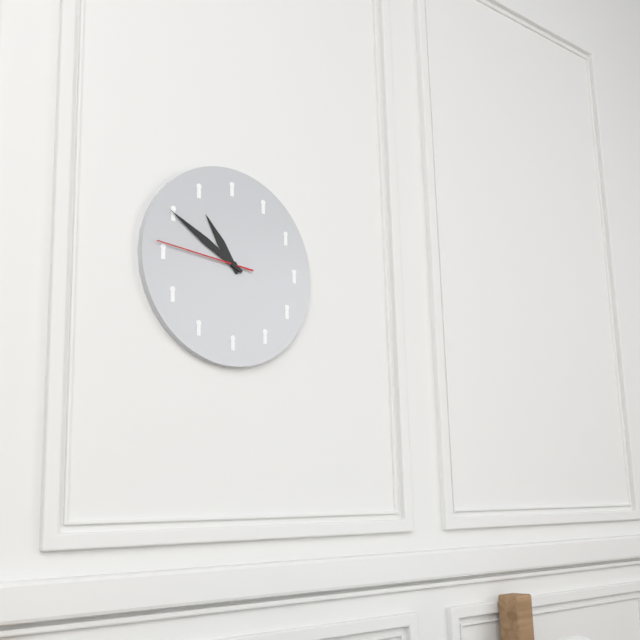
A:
10 h 50 min 46 s
